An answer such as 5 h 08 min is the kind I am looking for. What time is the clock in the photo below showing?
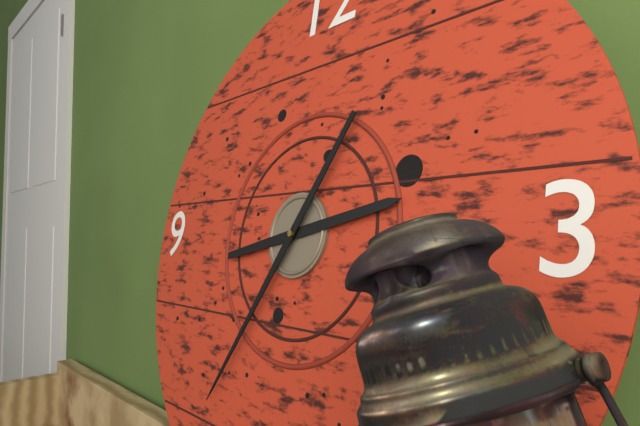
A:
2 h 35 min
